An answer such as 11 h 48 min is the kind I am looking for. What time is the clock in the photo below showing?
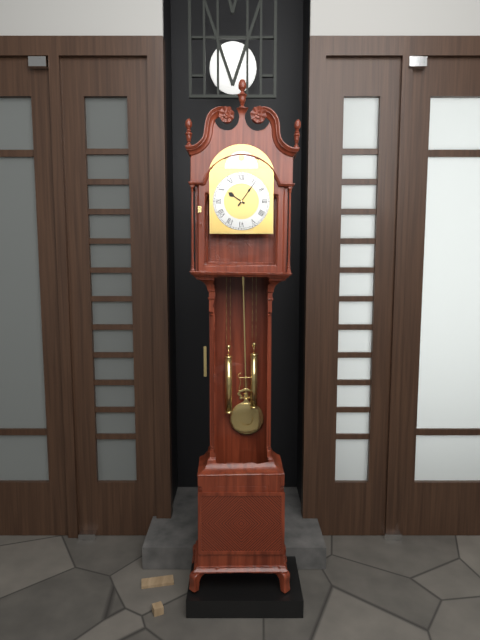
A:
10 h 06 min
